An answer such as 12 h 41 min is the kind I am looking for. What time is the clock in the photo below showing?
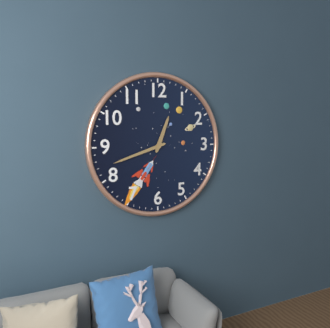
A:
12 h 42 min
